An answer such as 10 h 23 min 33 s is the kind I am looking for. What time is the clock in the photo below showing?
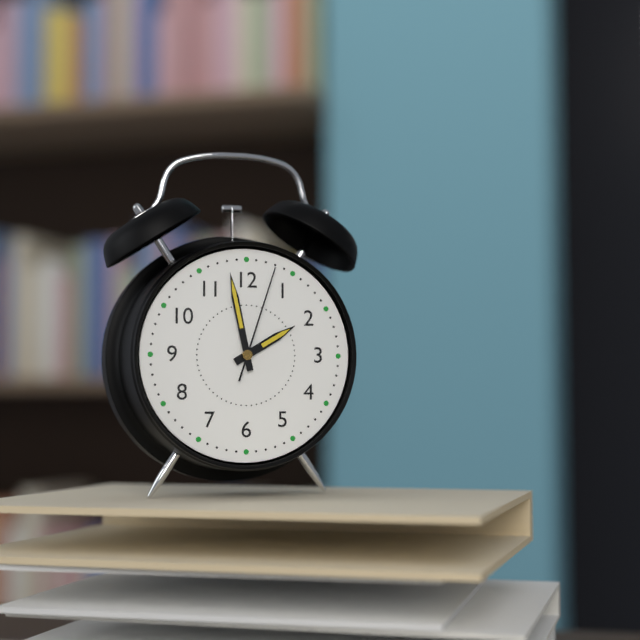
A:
1 h 58 min 03 s
